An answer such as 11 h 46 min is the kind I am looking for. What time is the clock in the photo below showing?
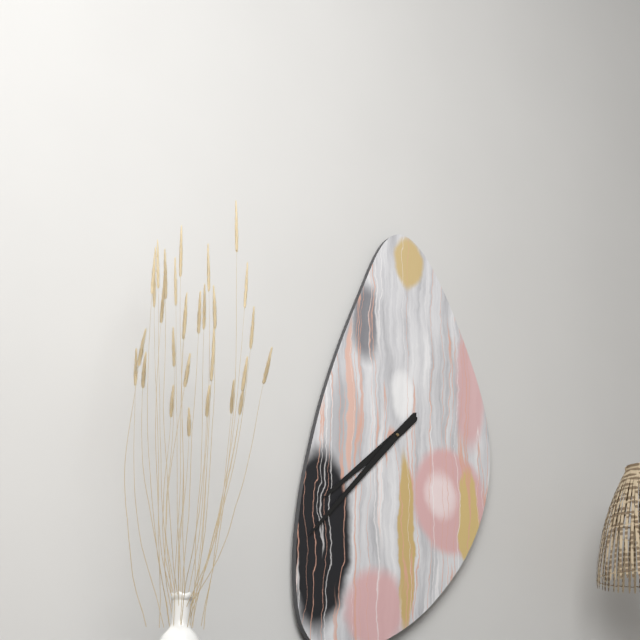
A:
7 h 37 min
